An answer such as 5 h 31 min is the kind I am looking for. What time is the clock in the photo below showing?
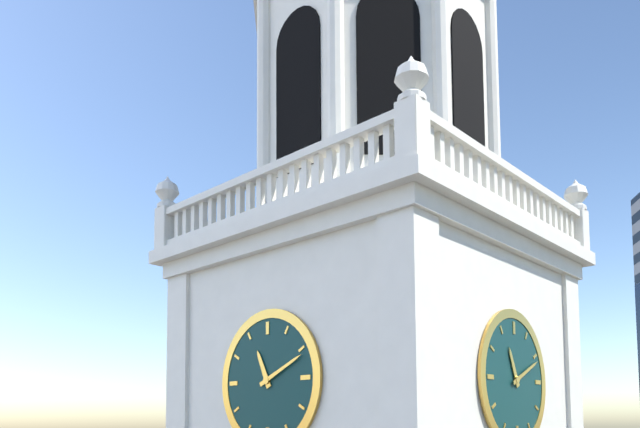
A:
11 h 11 min
